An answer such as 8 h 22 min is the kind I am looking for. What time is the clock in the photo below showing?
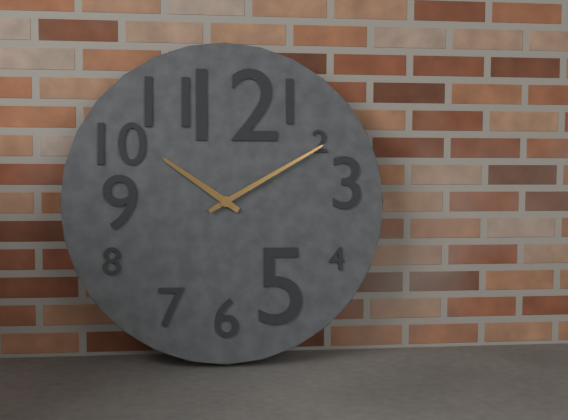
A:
10 h 10 min
